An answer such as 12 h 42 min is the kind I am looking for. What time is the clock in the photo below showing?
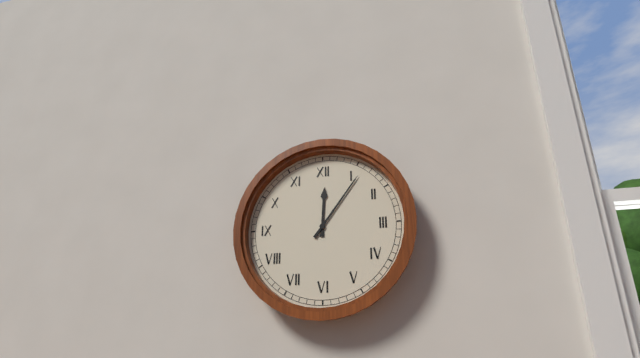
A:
12 h 06 min
